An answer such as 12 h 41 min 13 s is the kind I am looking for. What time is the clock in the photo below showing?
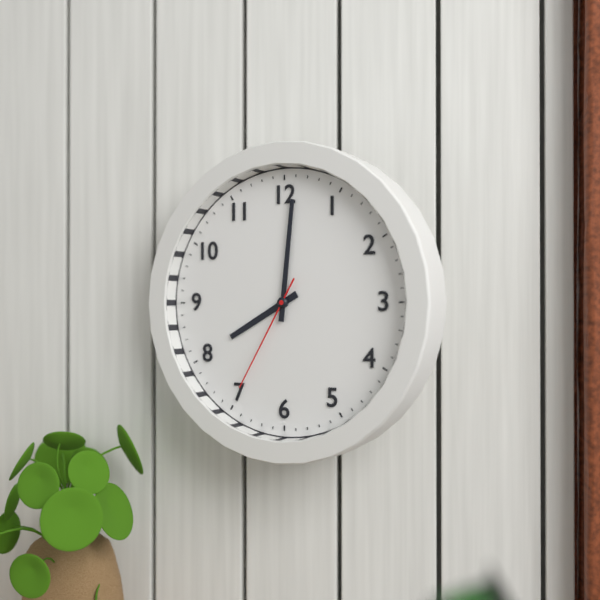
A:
8 h 01 min 35 s
